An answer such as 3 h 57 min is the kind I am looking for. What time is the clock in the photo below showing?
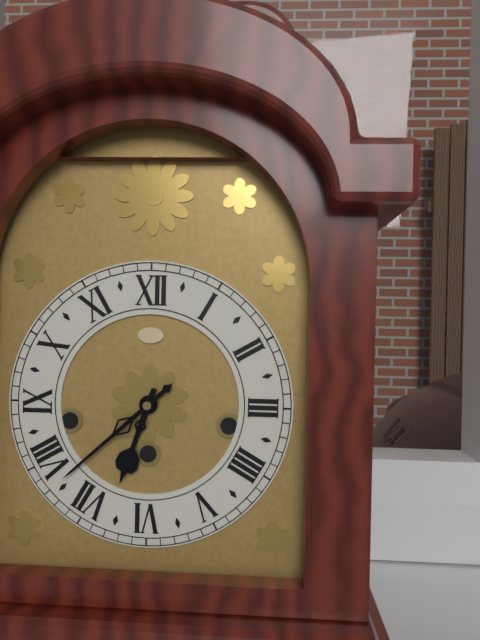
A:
6 h 38 min
